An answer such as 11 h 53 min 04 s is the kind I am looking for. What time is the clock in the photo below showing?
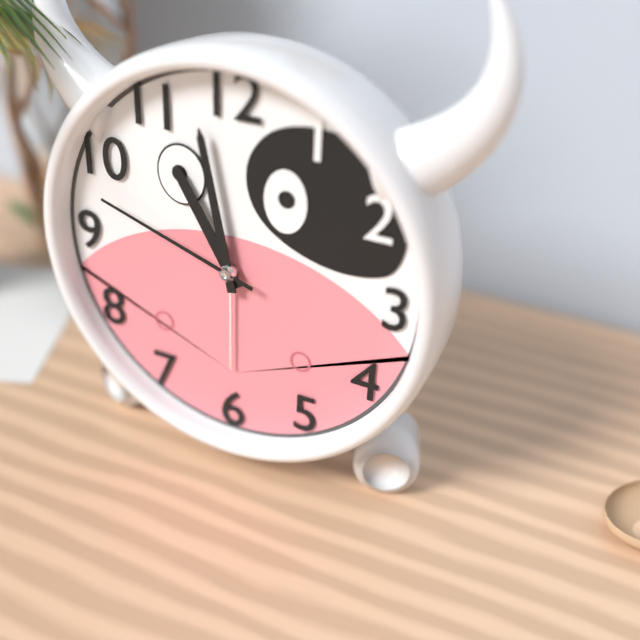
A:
10 h 58 min 48 s
